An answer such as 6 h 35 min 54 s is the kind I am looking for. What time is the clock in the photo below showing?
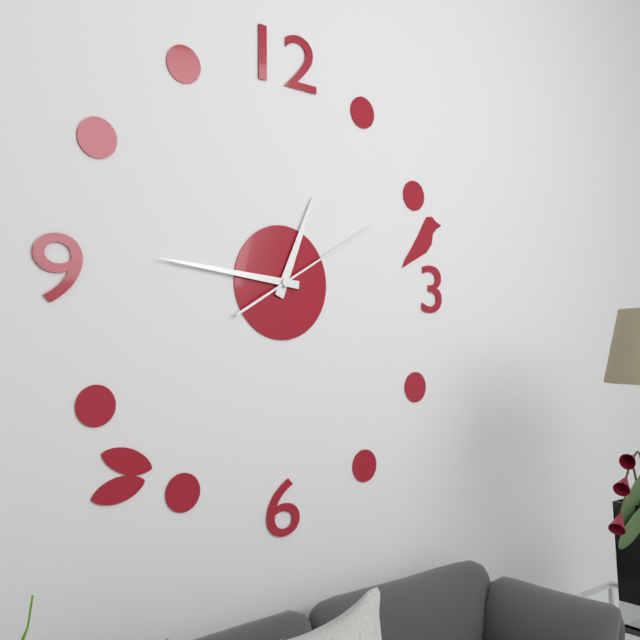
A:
12 h 46 min 10 s
